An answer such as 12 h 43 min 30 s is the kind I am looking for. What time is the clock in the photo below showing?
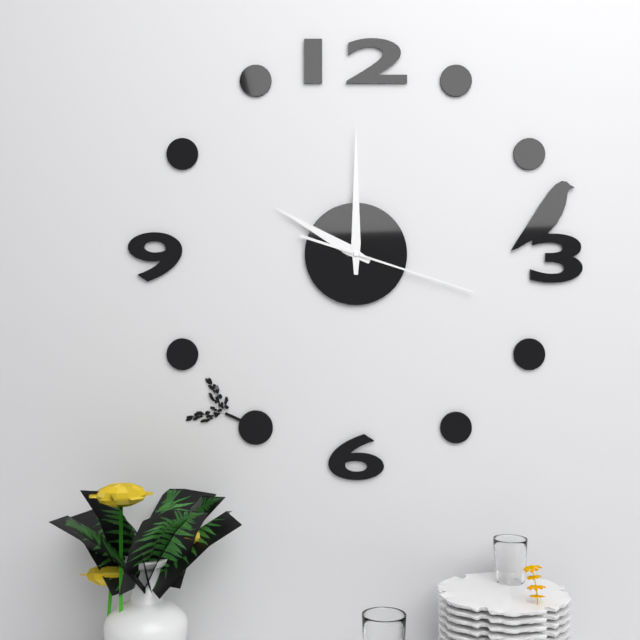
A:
10 h 00 min 18 s
